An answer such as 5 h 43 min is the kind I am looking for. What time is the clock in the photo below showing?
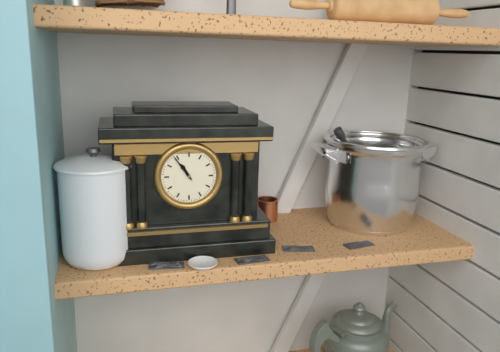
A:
10 h 54 min
